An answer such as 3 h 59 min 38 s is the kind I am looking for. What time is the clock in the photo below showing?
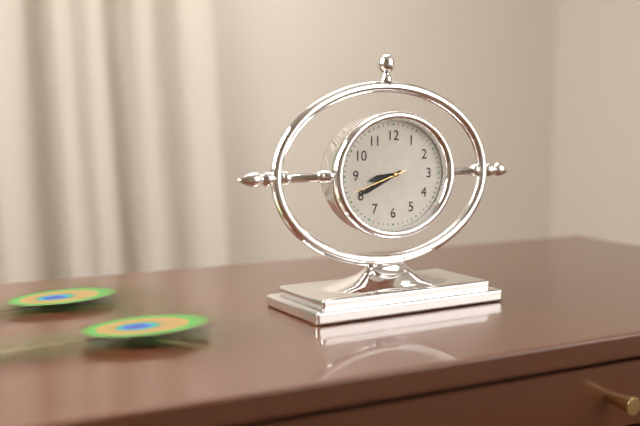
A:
8 h 41 min 42 s
